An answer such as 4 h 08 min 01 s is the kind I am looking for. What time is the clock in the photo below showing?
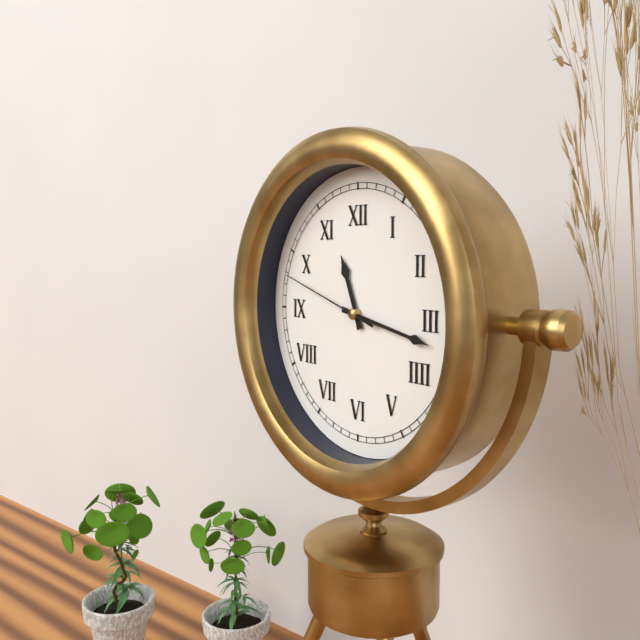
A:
11 h 17 min 48 s
